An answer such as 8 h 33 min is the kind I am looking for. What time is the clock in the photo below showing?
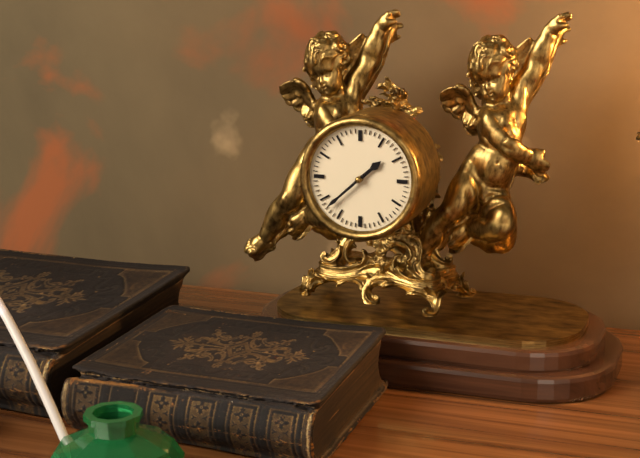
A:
1 h 38 min
